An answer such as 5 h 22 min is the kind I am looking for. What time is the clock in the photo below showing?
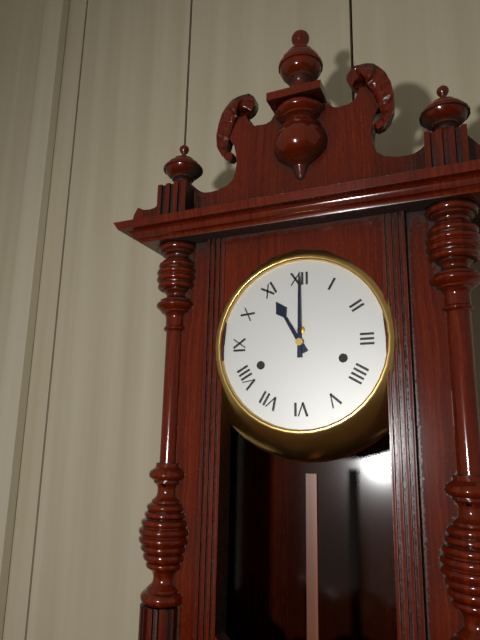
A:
11 h 00 min
